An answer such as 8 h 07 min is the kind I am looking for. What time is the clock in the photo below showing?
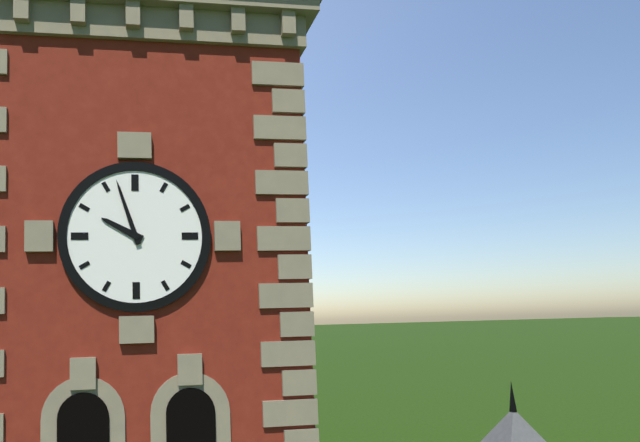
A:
9 h 57 min
